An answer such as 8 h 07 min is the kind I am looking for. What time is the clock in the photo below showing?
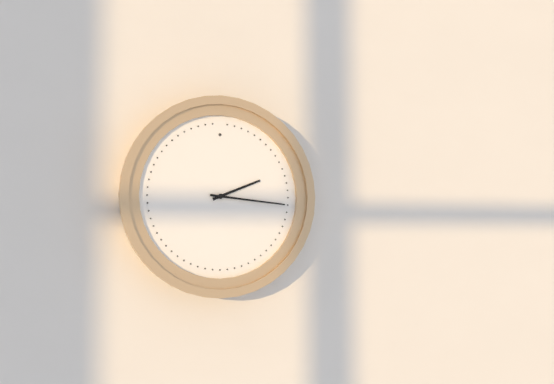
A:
2 h 16 min
